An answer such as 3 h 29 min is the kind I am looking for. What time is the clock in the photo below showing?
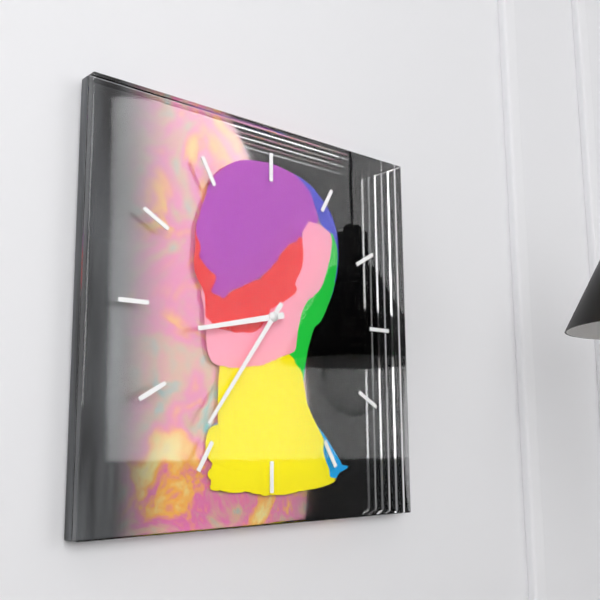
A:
8 h 36 min
